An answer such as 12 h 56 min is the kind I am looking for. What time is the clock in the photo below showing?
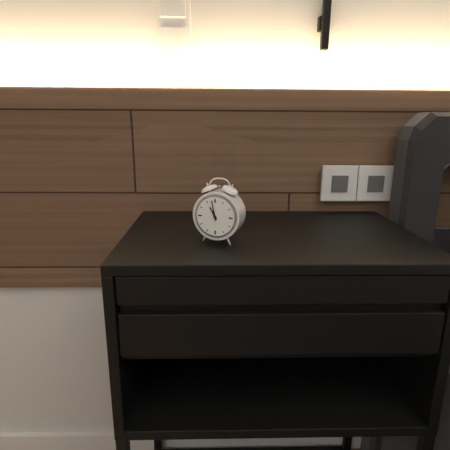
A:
10 h 58 min
